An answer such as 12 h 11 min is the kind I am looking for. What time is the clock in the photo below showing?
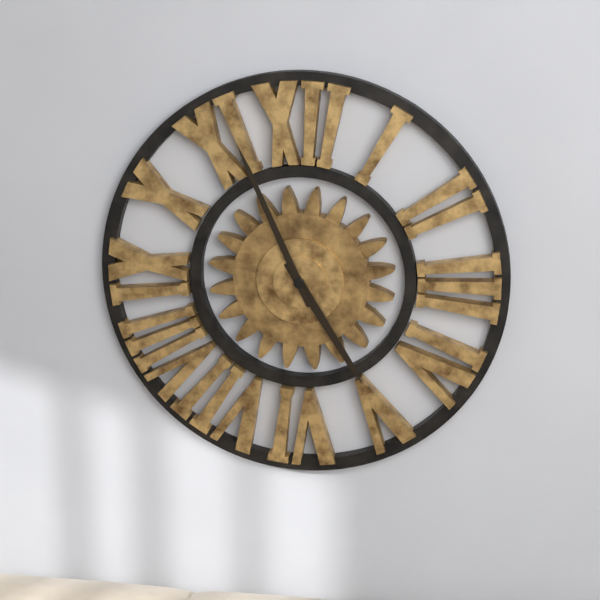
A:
4 h 56 min
